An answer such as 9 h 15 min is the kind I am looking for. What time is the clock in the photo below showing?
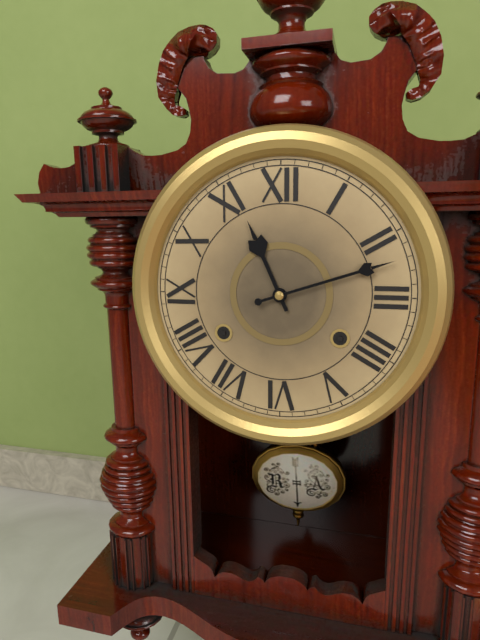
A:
11 h 12 min
